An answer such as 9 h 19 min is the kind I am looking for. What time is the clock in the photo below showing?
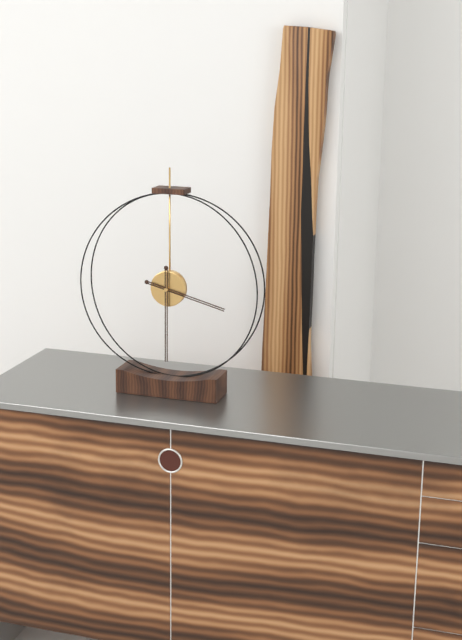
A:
3 h 30 min
